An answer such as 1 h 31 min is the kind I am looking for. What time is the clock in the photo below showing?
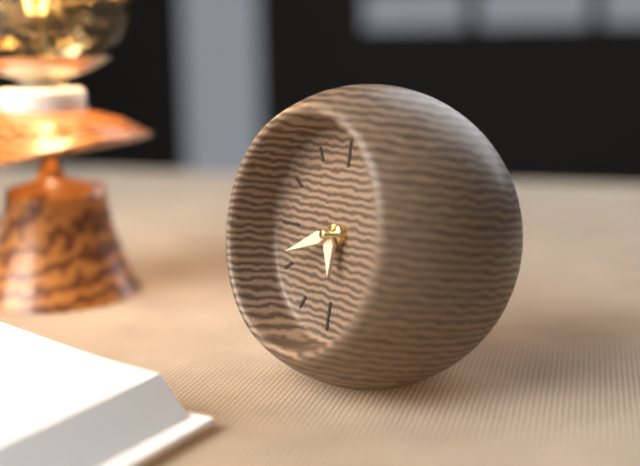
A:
5 h 41 min
